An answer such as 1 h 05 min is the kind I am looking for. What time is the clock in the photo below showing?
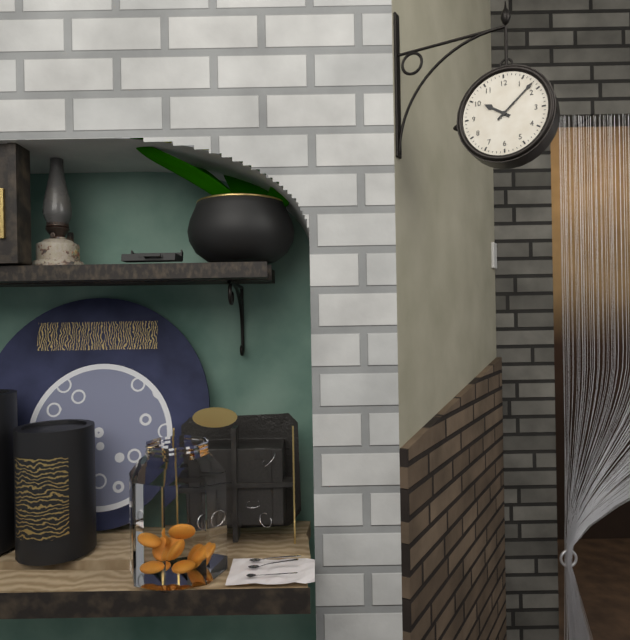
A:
10 h 08 min
